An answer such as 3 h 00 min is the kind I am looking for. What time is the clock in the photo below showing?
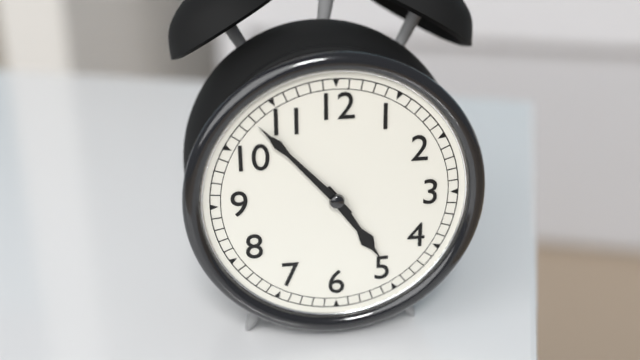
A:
4 h 53 min
